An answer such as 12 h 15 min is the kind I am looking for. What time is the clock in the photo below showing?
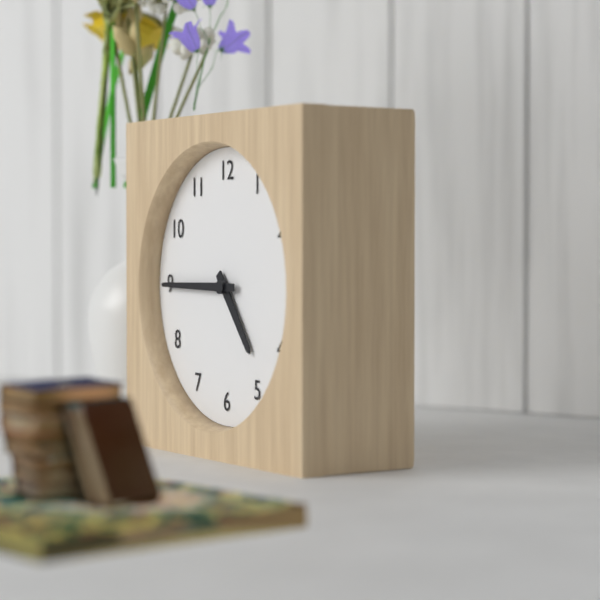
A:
4 h 45 min
